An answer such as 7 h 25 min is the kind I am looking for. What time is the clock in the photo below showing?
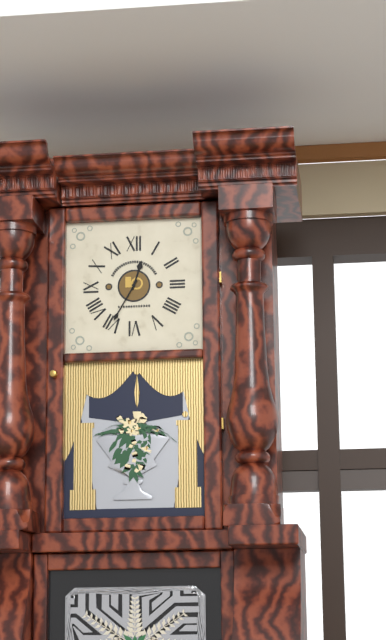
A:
12 h 35 min
